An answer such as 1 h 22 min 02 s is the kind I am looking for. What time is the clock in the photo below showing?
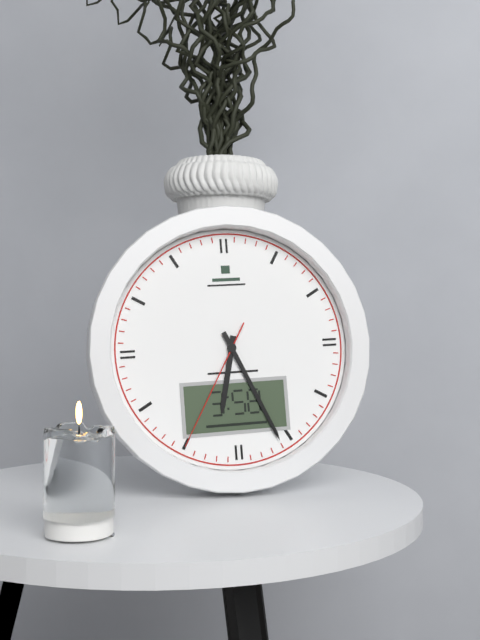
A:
6 h 26 min 35 s
